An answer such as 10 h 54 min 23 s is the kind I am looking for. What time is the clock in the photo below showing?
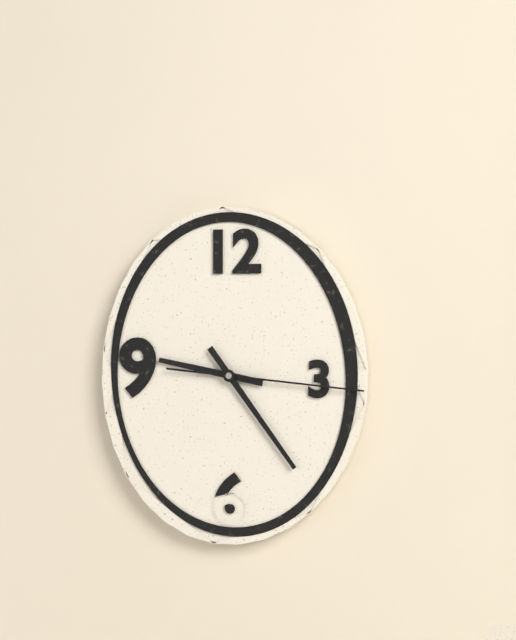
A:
9 h 24 min 16 s
